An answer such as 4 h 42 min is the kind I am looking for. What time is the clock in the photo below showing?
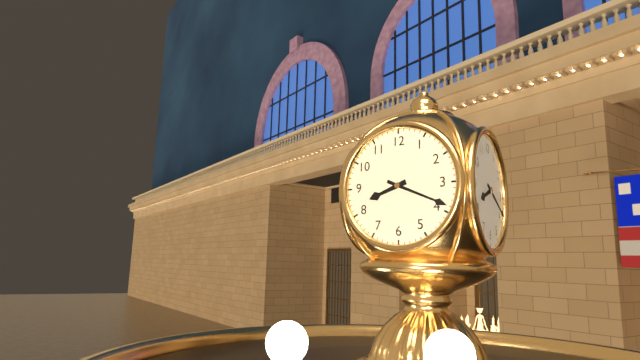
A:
8 h 19 min
